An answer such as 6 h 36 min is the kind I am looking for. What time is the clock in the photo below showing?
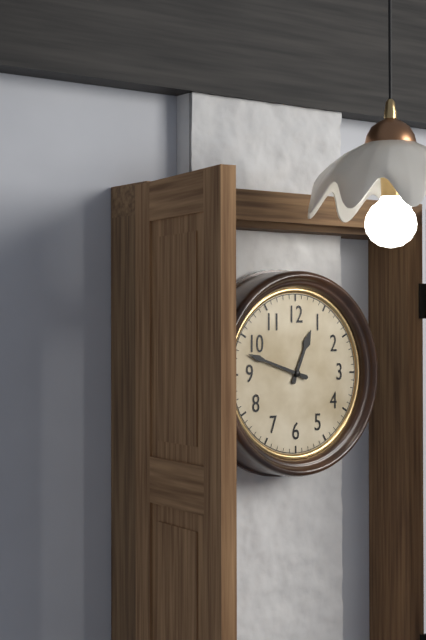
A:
12 h 48 min
